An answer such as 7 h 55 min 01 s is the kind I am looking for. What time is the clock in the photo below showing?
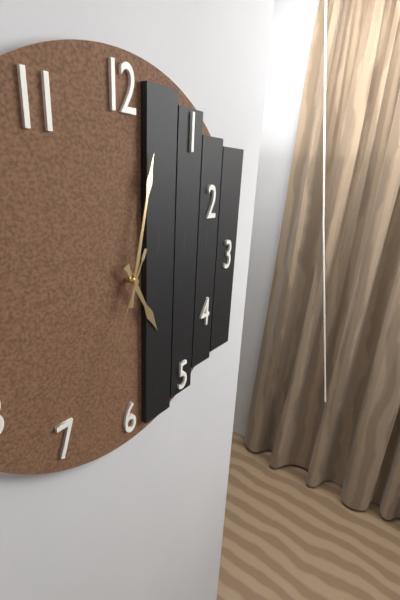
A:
5 h 02 min 34 s
